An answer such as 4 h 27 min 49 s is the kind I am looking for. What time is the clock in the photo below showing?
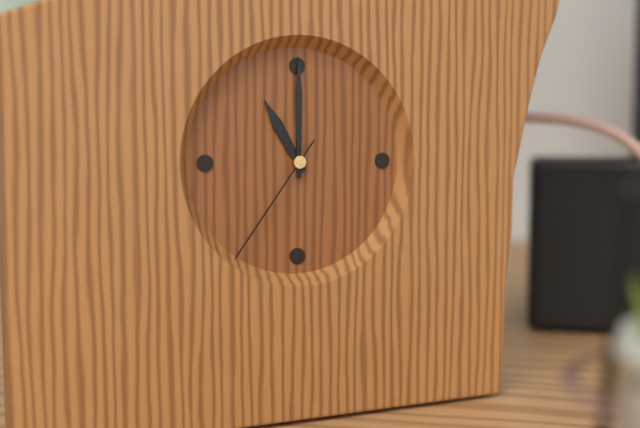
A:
11 h 00 min 36 s
